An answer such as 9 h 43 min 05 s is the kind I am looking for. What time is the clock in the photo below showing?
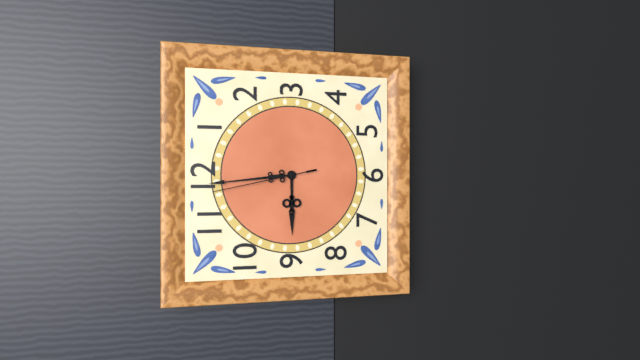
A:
8 h 59 min 58 s
